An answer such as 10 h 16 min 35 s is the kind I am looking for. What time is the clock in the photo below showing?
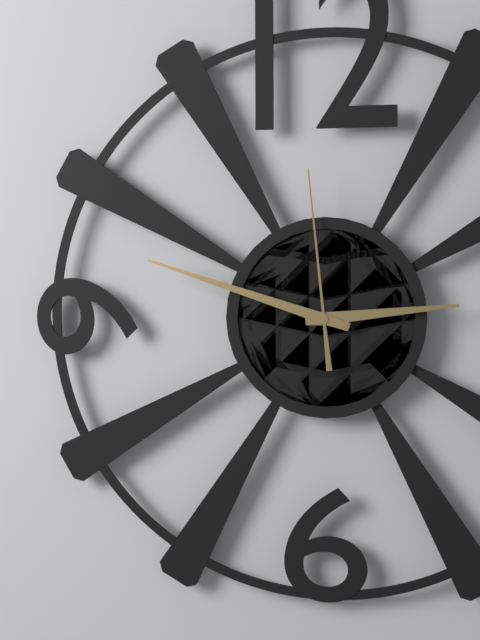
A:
2 h 48 min 59 s
